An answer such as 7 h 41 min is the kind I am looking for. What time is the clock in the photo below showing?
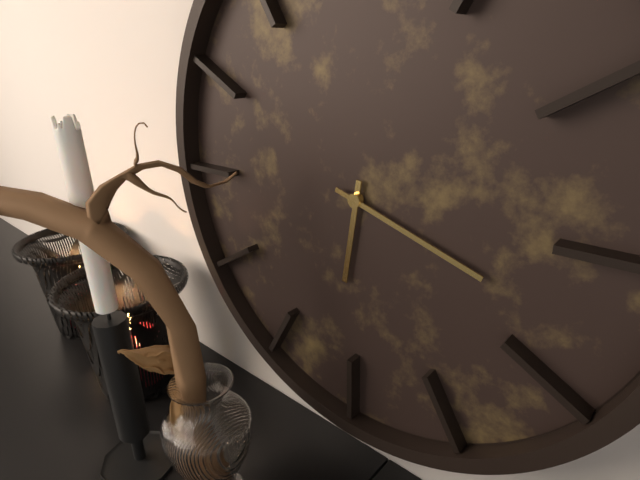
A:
6 h 18 min
